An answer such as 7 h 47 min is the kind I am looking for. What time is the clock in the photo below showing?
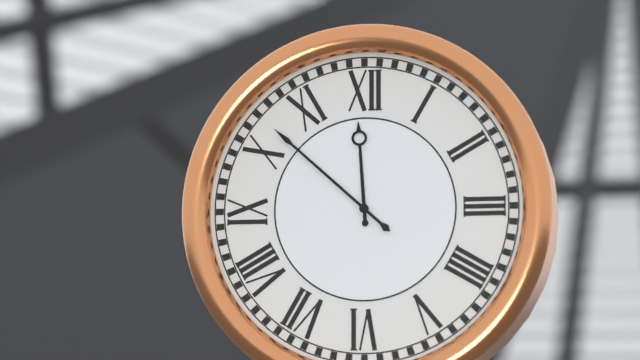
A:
11 h 52 min
